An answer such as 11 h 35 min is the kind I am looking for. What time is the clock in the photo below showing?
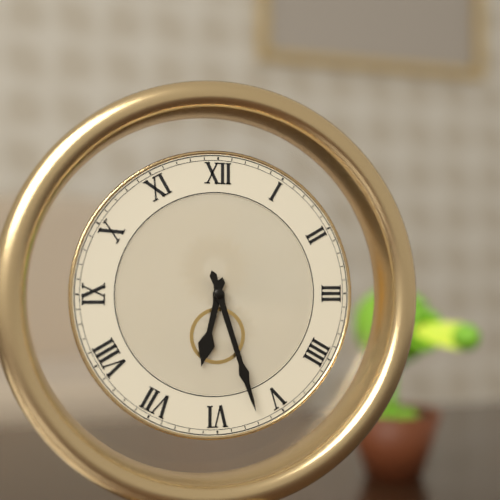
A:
6 h 27 min
